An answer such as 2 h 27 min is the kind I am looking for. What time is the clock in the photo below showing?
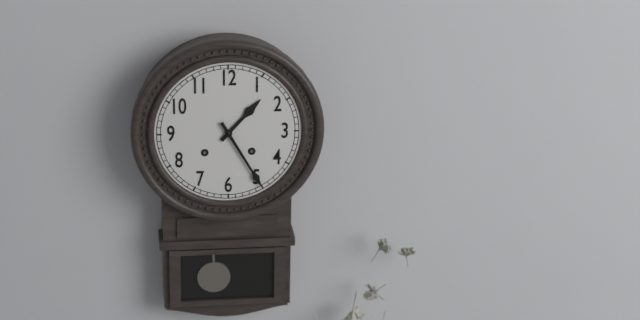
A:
1 h 25 min
